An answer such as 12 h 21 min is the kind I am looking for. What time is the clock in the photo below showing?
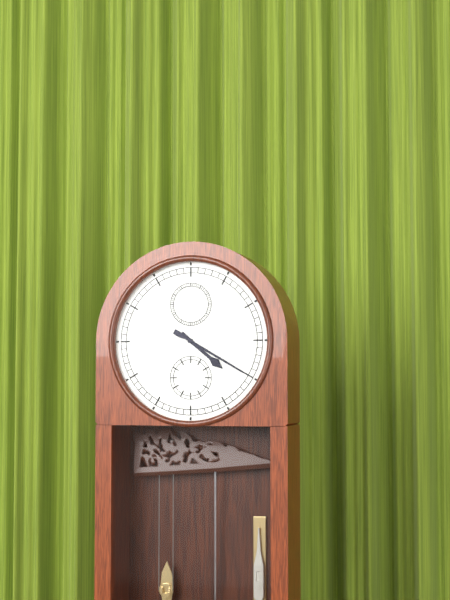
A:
4 h 20 min
